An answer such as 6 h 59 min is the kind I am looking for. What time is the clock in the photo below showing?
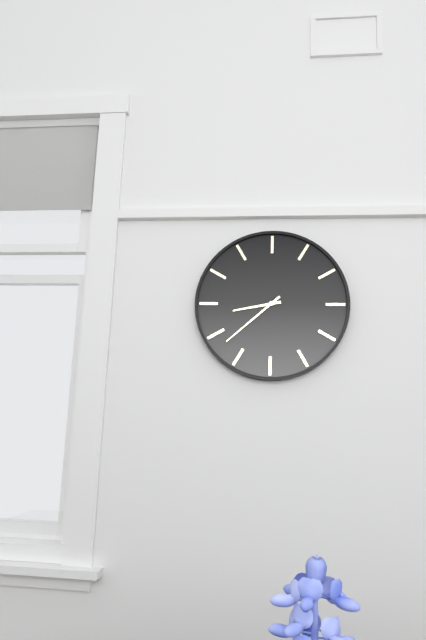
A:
8 h 38 min
